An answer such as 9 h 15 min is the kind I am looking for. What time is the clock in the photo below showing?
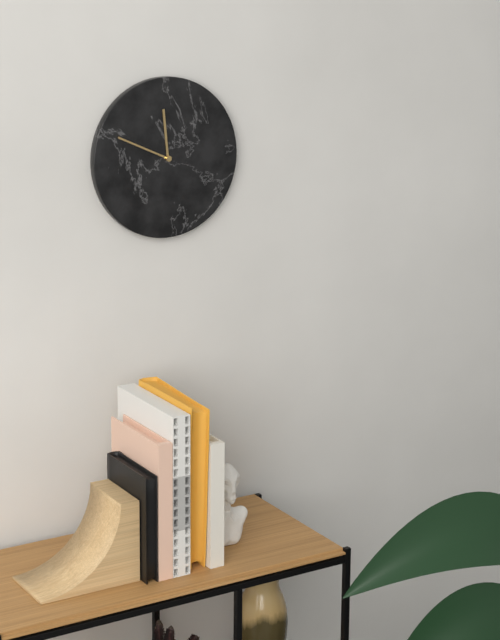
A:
11 h 49 min
